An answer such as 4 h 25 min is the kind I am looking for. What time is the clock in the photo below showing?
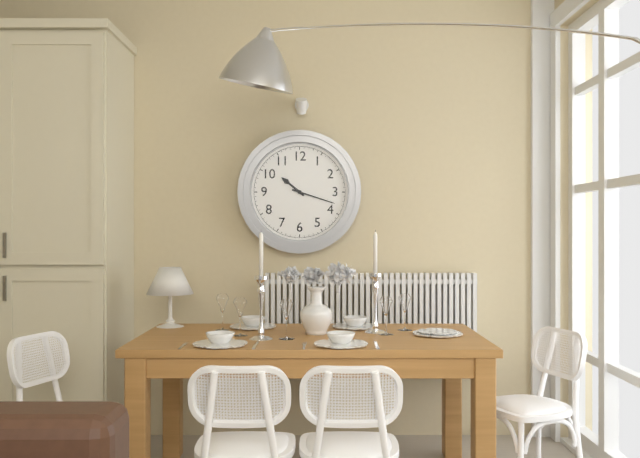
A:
10 h 18 min
